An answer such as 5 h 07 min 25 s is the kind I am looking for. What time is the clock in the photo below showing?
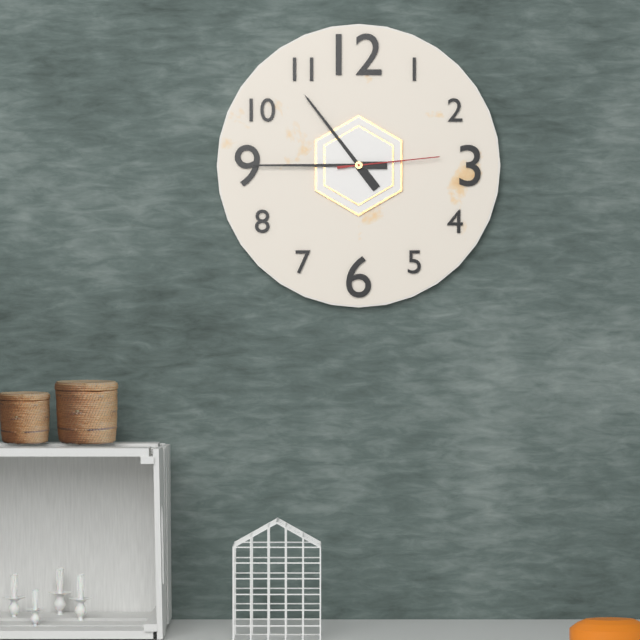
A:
10 h 45 min 14 s
